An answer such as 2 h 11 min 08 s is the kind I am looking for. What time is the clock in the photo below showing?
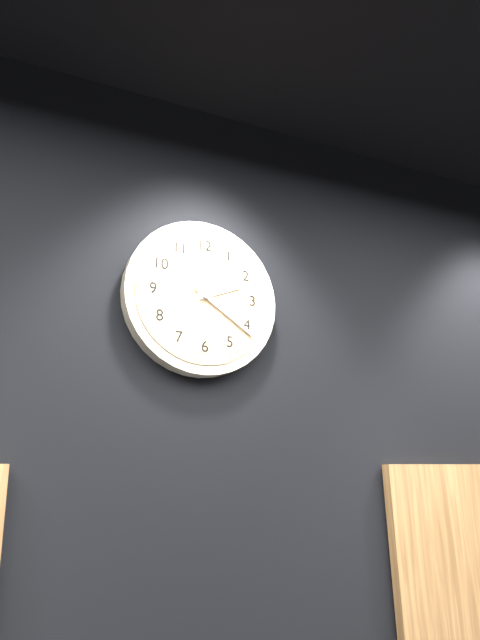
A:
2 h 21 min 21 s
